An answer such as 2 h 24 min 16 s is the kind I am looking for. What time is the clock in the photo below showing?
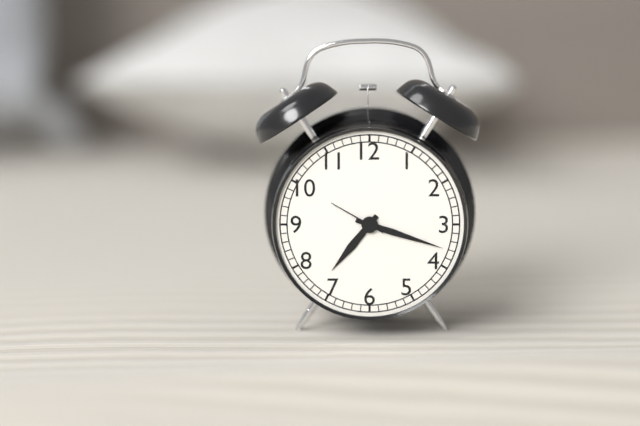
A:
7 h 18 min 50 s
